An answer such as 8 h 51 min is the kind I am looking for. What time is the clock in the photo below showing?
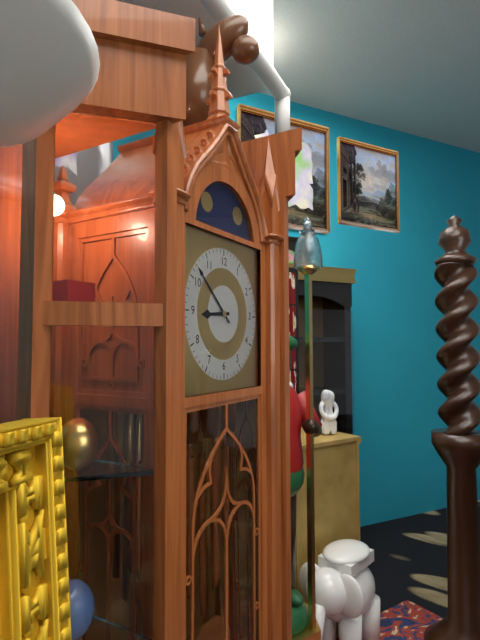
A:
8 h 52 min
